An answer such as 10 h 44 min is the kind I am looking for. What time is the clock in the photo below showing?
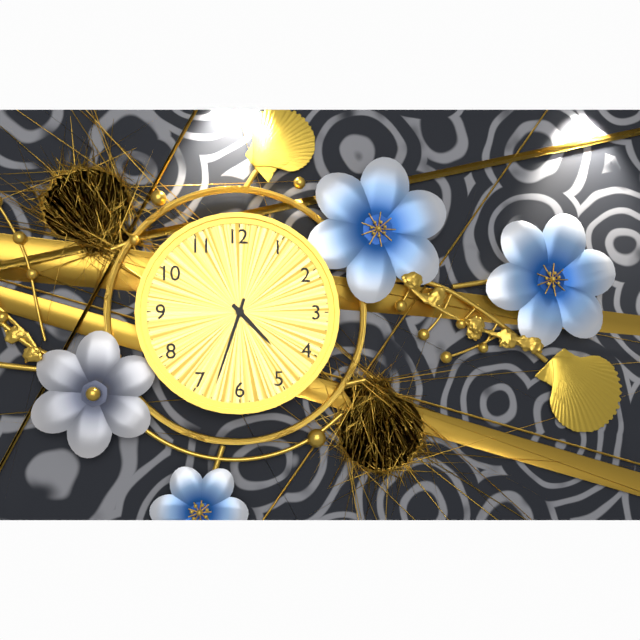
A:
4 h 33 min
